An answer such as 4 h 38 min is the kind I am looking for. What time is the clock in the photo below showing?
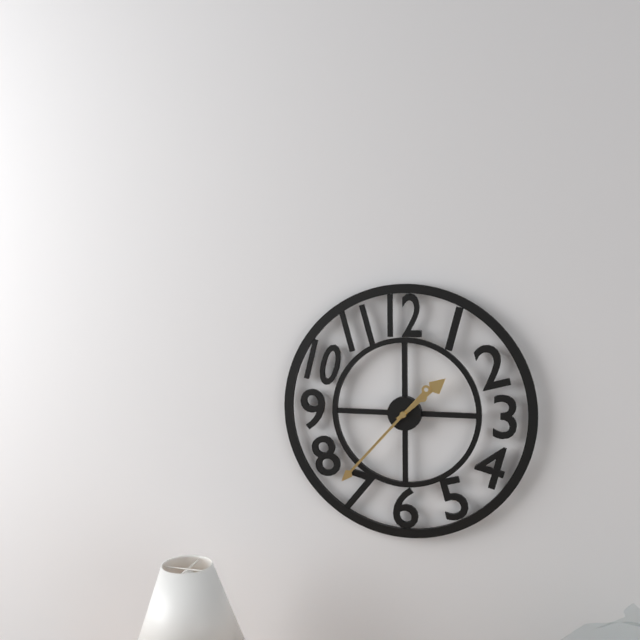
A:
1 h 37 min
